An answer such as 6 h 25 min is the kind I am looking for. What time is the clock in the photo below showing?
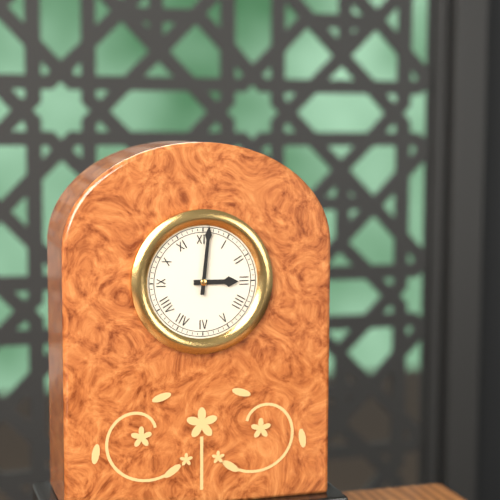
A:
3 h 01 min
